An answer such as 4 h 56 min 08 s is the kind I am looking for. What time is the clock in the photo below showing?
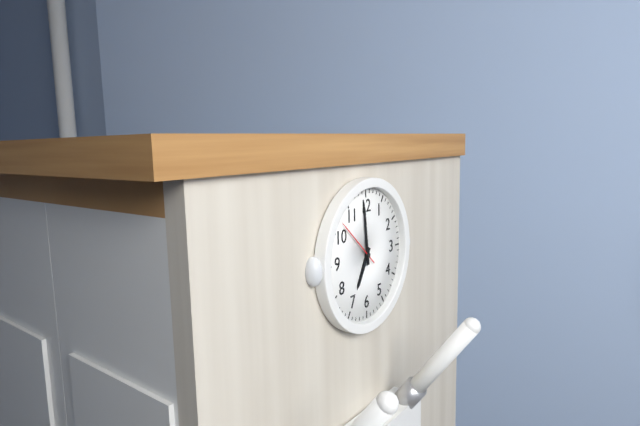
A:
6 h 59 min 52 s
